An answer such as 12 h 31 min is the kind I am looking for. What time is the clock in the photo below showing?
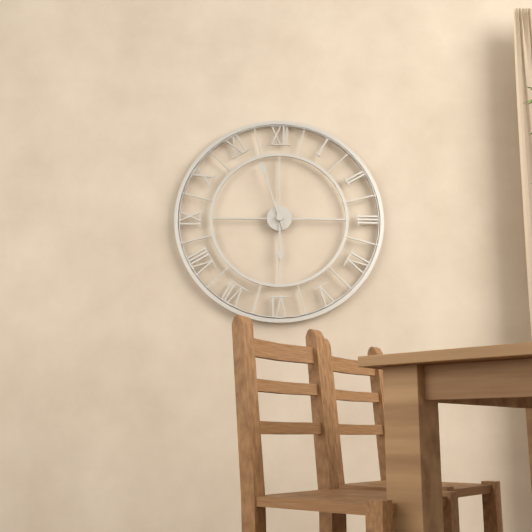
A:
5 h 57 min
